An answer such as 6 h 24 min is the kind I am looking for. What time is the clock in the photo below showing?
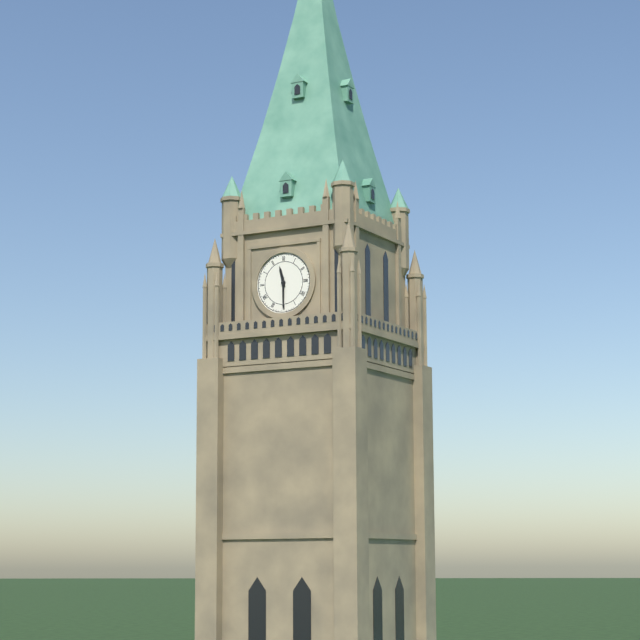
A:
11 h 30 min
